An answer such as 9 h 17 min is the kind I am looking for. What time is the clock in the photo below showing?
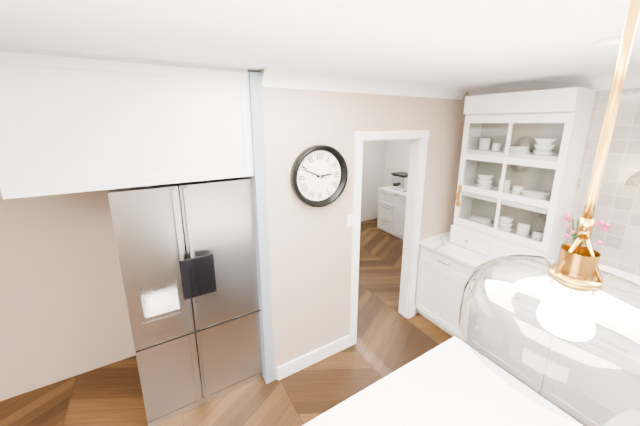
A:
2 h 49 min
